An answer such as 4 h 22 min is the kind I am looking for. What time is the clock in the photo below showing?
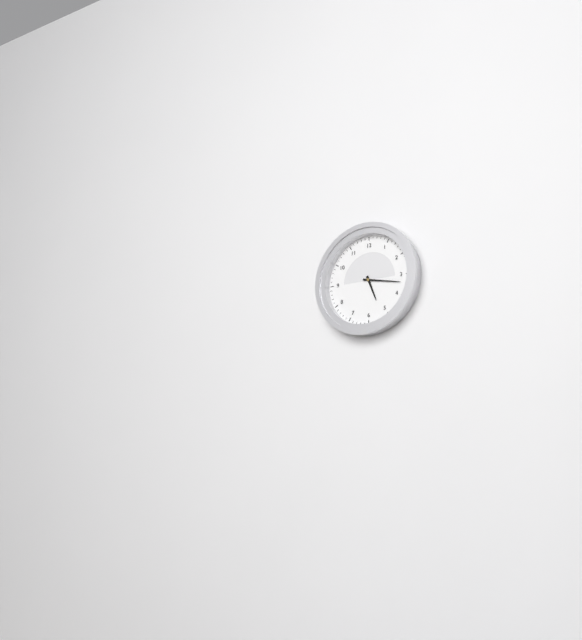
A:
5 h 17 min
